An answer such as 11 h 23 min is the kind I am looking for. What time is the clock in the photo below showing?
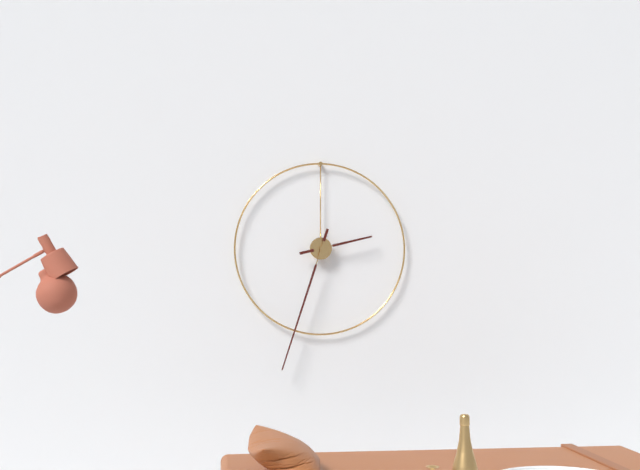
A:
2 h 33 min
